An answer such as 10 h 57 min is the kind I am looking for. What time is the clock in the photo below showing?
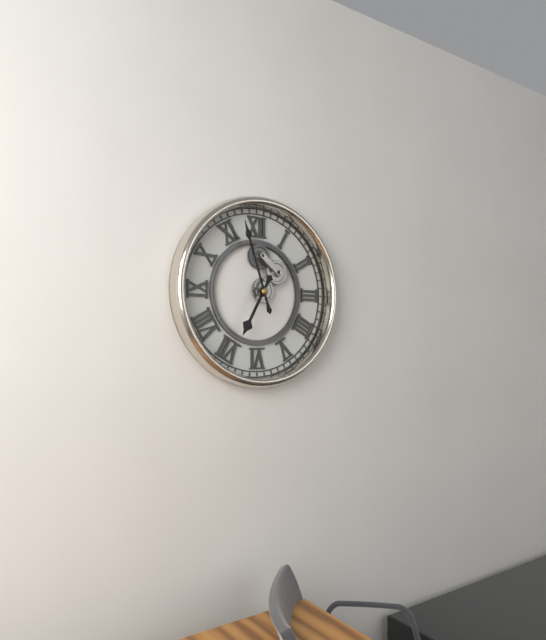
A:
6 h 57 min
